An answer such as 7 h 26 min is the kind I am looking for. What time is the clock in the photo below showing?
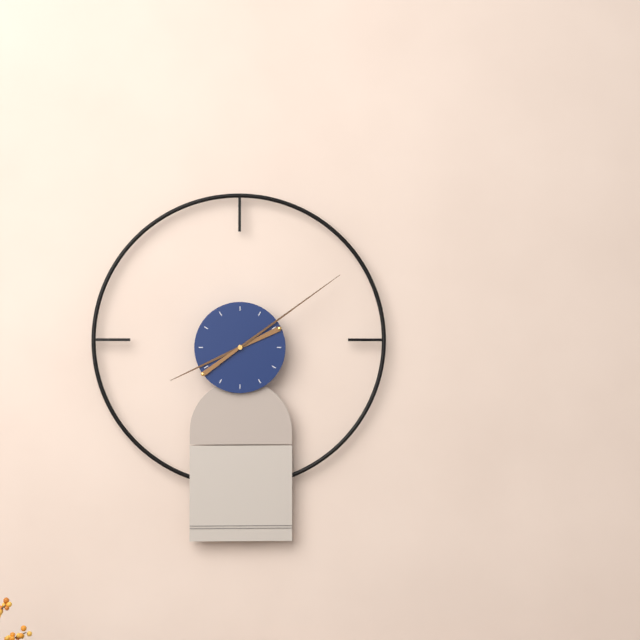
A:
8 h 09 min
